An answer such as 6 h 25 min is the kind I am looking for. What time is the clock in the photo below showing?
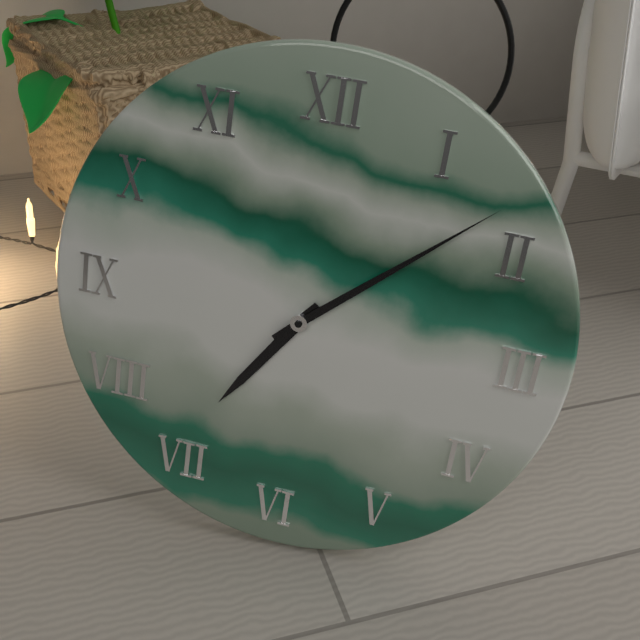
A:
7 h 08 min
